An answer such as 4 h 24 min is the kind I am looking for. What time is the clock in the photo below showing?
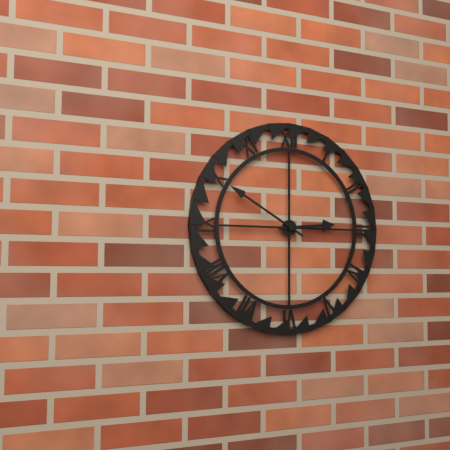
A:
2 h 50 min
